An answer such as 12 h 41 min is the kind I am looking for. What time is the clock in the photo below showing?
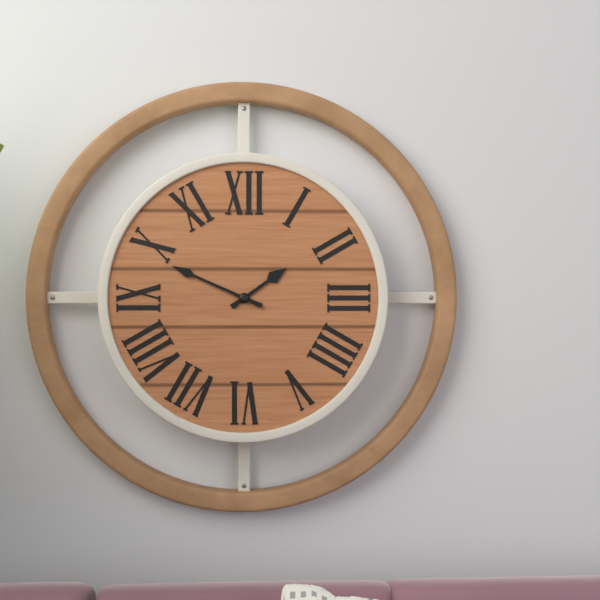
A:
1 h 49 min
